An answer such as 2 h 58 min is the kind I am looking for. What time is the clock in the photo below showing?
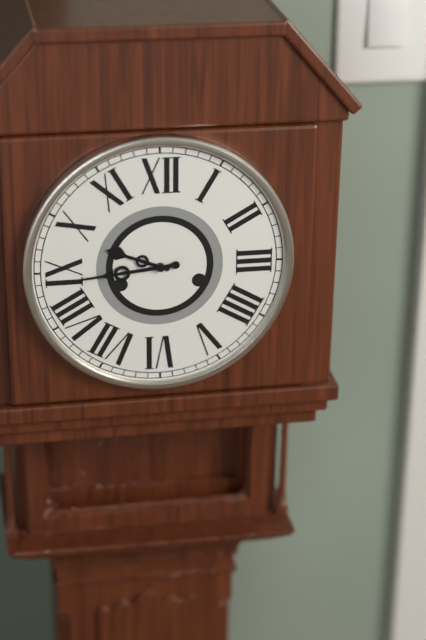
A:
9 h 44 min
